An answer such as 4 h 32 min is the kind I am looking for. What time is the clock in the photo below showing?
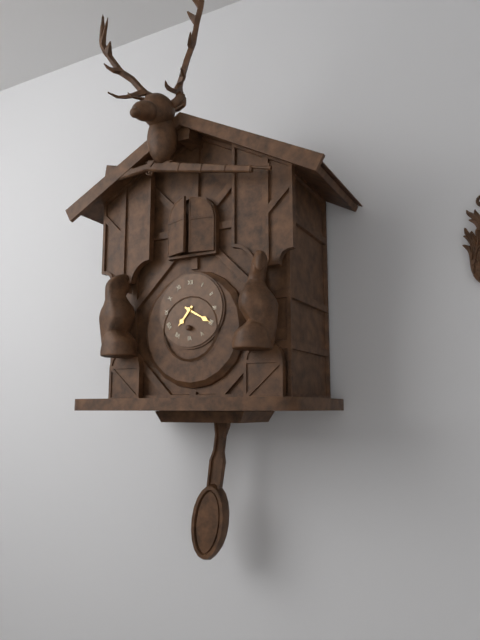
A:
7 h 20 min
